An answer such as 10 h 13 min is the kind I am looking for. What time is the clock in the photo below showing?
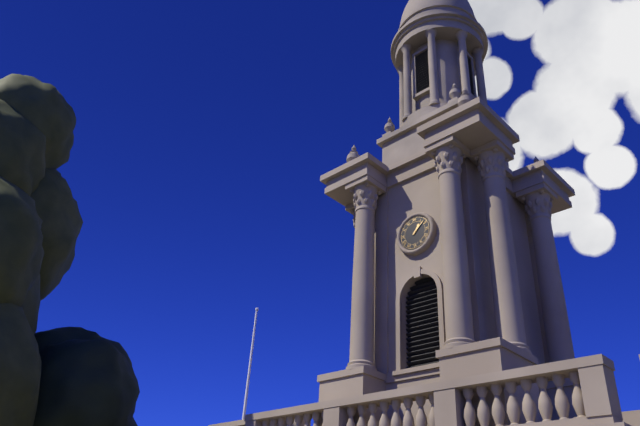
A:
1 h 08 min
